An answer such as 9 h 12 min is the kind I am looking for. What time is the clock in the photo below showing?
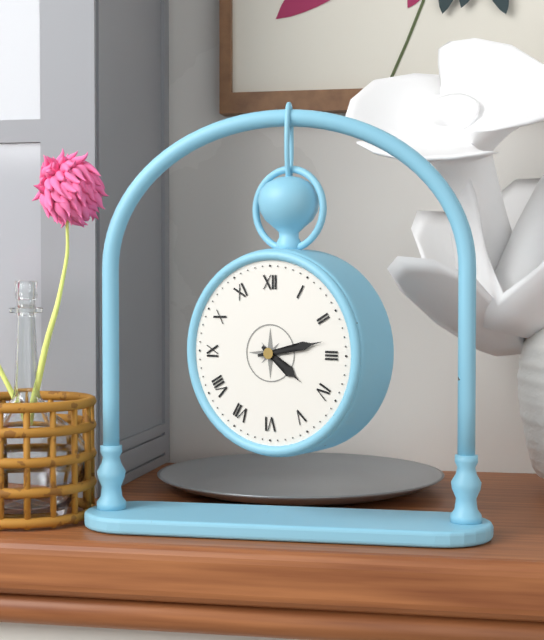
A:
4 h 13 min
